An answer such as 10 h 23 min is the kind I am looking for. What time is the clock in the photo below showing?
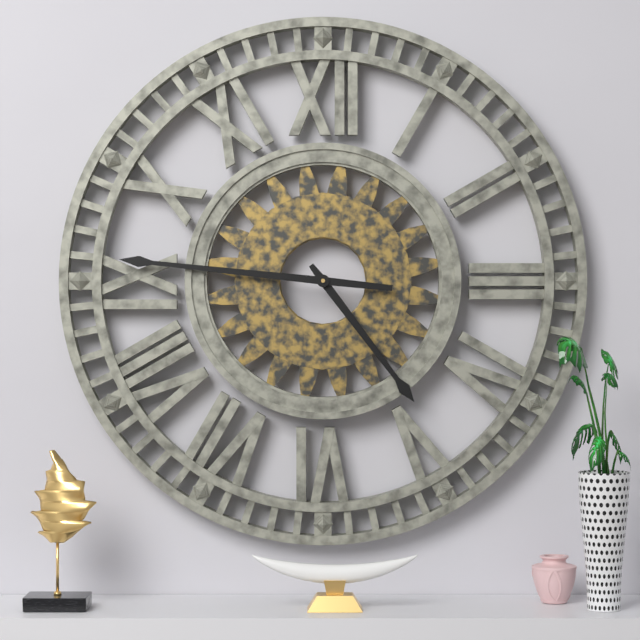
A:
4 h 46 min
